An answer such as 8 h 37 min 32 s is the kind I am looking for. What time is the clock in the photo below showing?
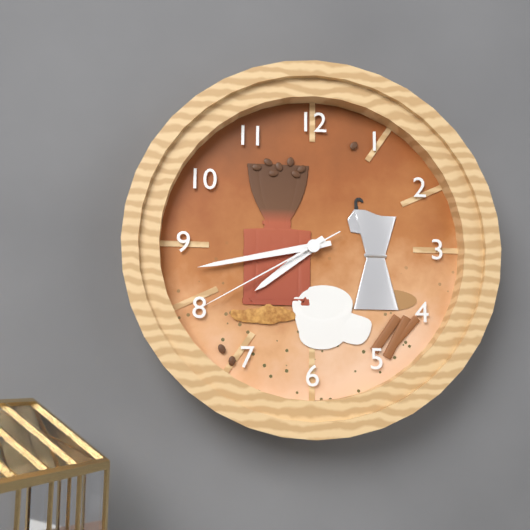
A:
7 h 43 min 40 s
